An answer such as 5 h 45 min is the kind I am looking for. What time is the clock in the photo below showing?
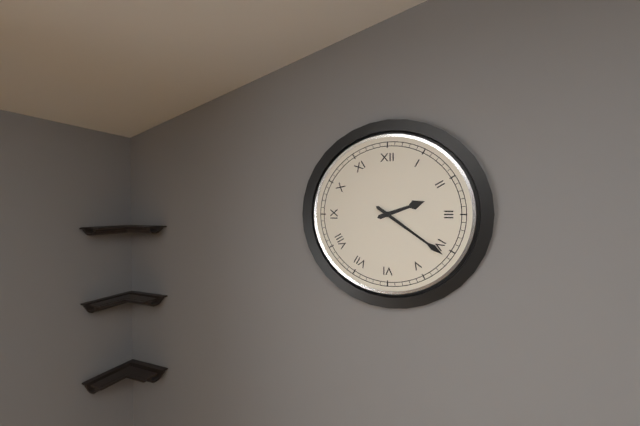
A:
2 h 21 min
